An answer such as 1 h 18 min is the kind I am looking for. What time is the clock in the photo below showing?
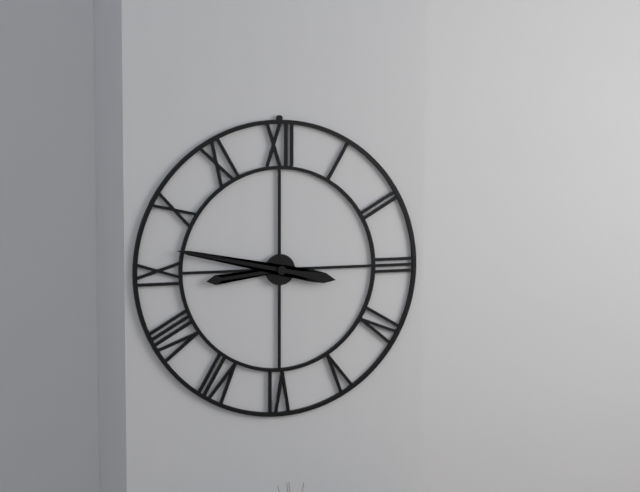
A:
8 h 47 min
